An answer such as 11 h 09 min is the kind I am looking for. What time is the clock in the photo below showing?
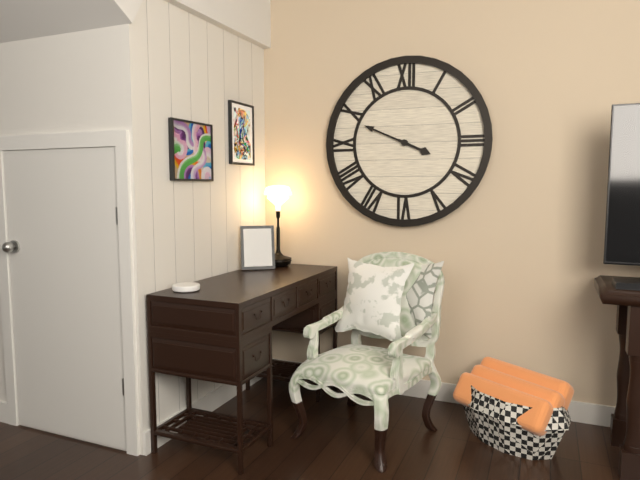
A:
3 h 49 min
